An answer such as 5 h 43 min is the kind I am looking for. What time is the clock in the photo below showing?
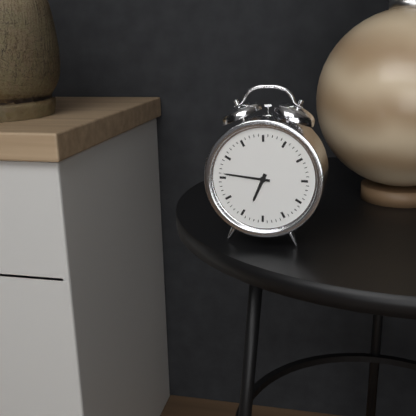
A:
6 h 46 min
